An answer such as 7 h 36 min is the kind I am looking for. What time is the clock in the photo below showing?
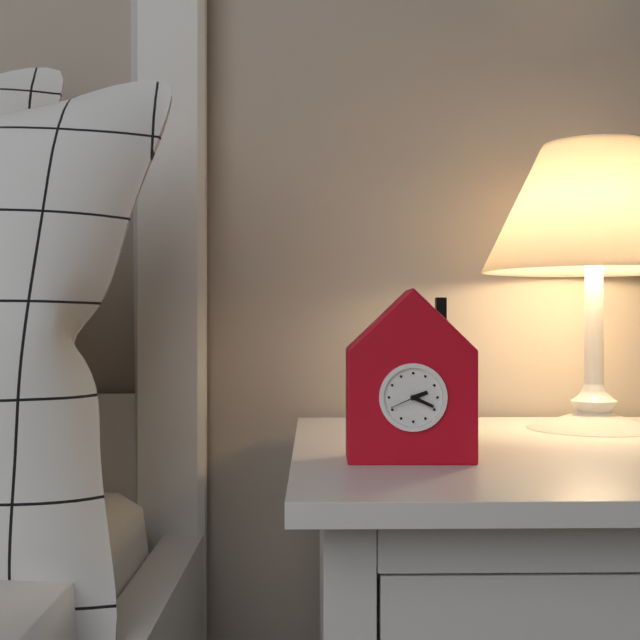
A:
2 h 19 min
